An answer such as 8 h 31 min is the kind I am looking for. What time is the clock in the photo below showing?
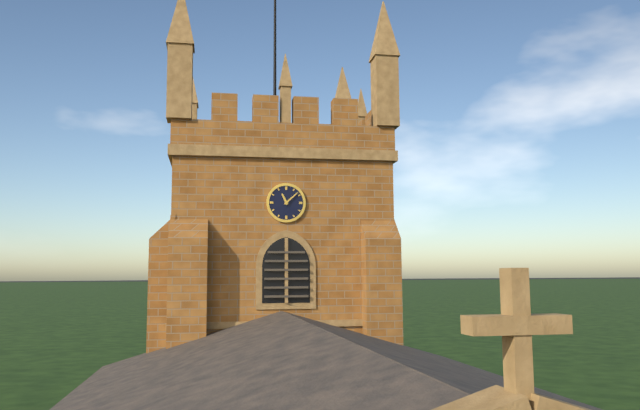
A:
11 h 08 min
